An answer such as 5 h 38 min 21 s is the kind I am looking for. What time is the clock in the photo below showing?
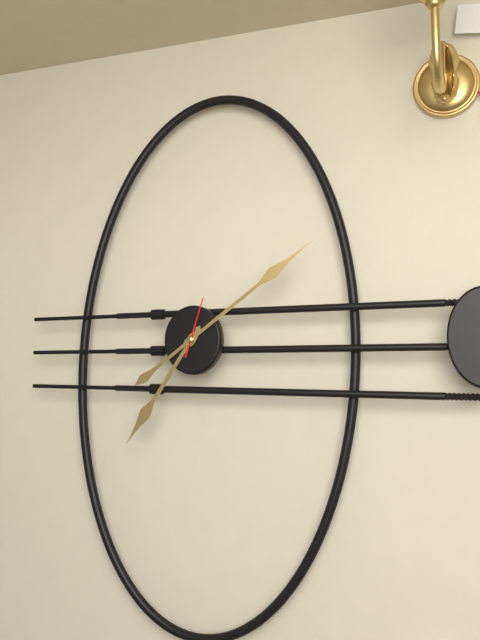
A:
7 h 09 min 03 s
